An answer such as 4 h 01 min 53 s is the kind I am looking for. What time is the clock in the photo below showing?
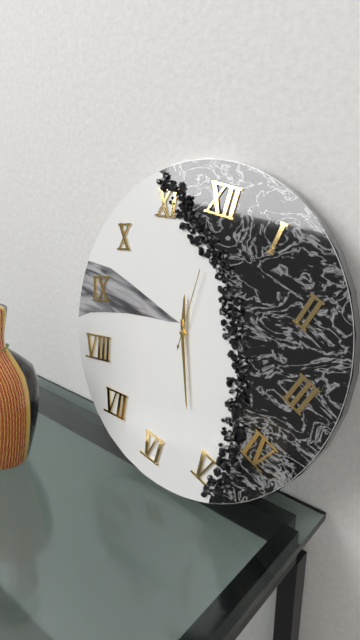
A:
11 h 26 min 00 s
